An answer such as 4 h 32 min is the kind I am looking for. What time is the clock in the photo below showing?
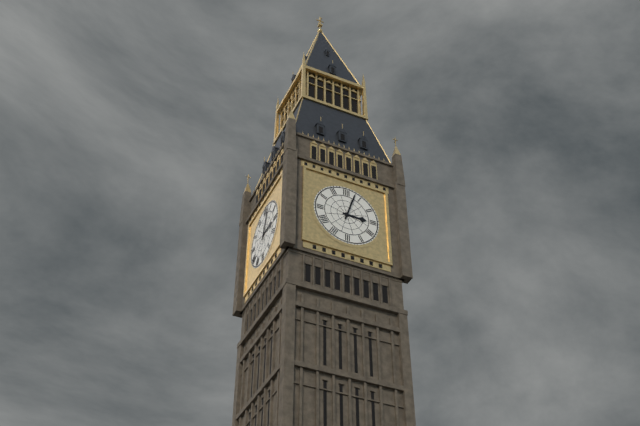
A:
3 h 03 min
